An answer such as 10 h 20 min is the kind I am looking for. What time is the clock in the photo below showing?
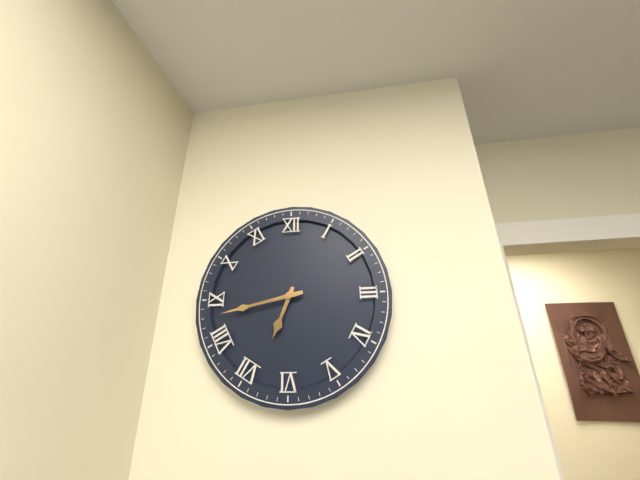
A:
6 h 43 min
